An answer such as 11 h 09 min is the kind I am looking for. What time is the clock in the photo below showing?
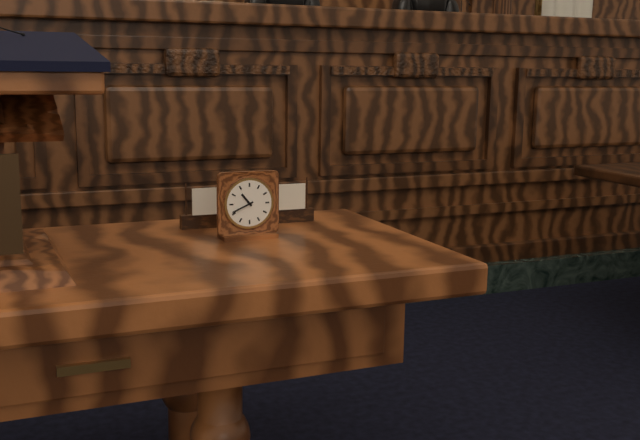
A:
10 h 41 min
